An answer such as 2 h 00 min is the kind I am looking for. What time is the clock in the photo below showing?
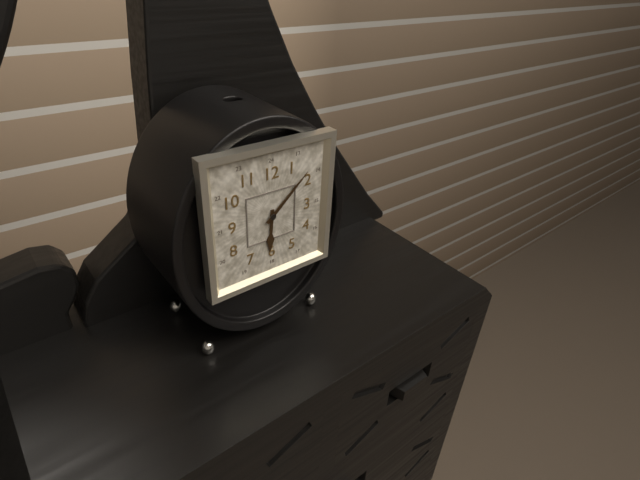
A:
6 h 08 min
